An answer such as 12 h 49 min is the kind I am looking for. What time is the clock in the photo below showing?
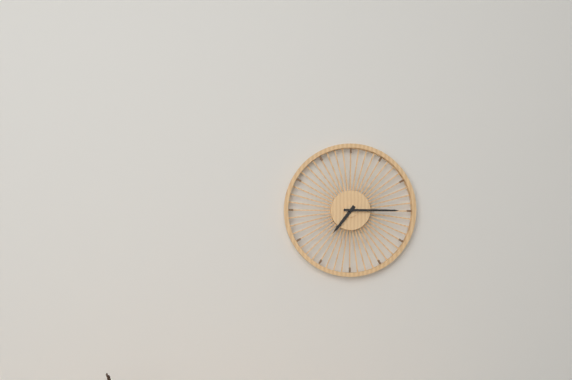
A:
7 h 15 min
